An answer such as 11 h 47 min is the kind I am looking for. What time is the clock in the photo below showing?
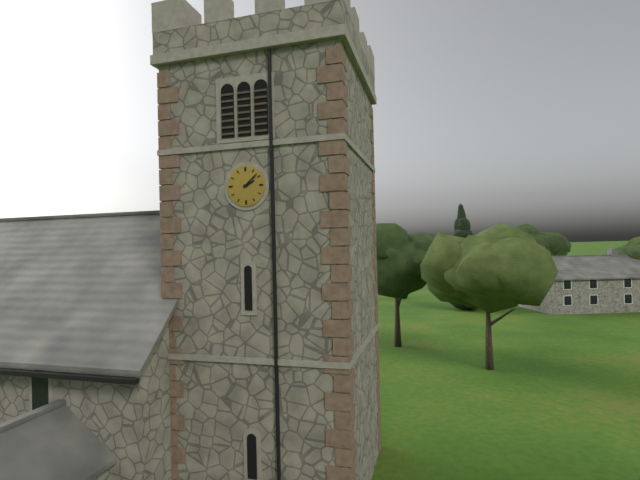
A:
2 h 08 min
